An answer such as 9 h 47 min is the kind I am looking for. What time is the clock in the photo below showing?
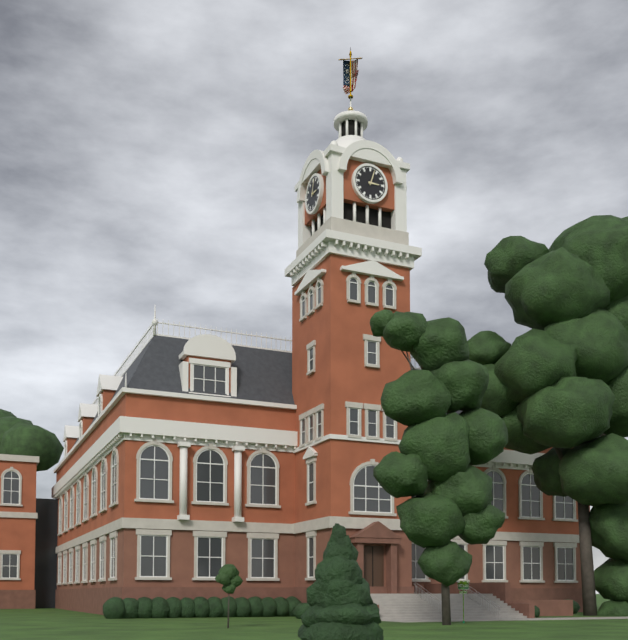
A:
3 h 03 min
